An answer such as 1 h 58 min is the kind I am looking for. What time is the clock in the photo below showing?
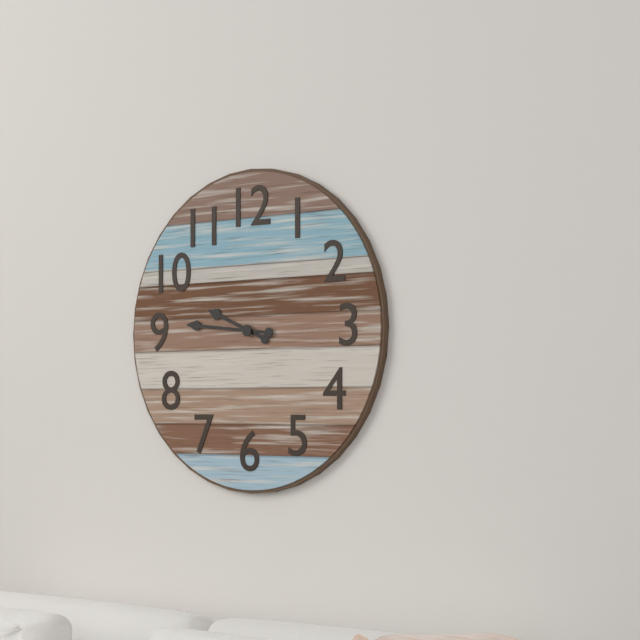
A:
9 h 46 min
